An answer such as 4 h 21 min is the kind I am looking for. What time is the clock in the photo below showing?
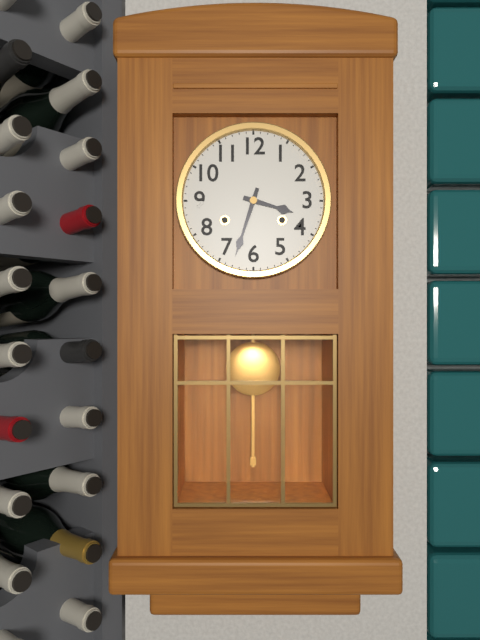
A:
3 h 33 min
